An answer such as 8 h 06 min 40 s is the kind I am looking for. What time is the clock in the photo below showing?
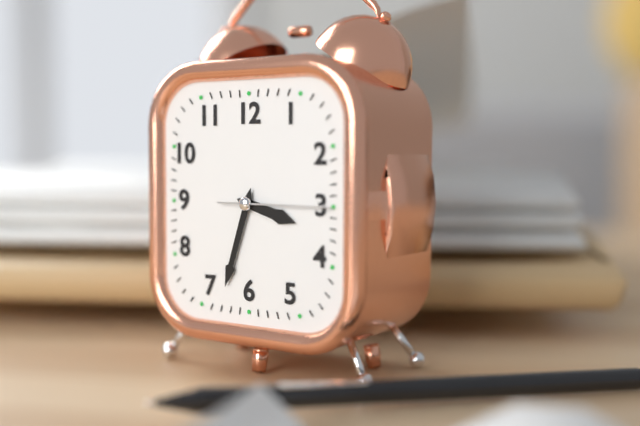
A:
3 h 33 min 15 s
